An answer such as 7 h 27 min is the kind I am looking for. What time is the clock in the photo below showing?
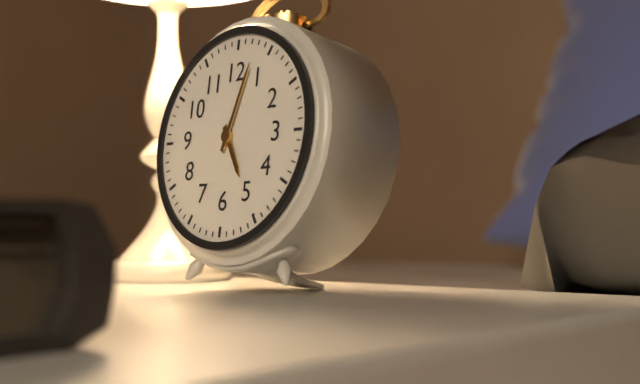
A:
5 h 03 min
